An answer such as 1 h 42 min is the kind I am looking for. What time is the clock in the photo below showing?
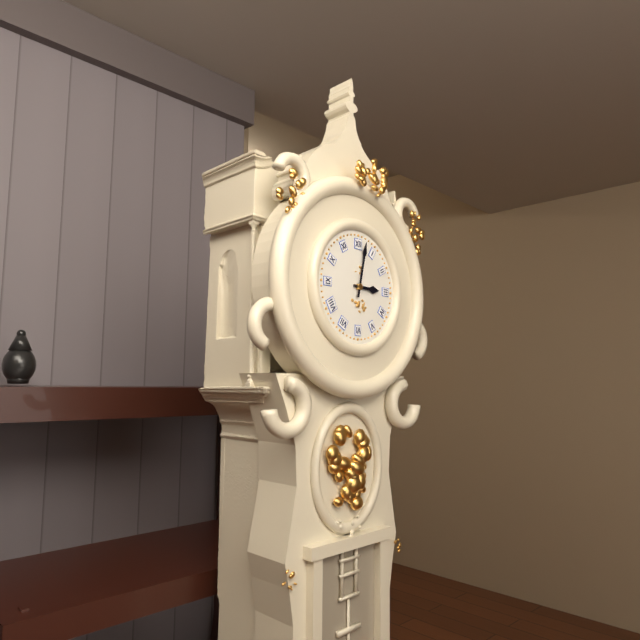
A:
3 h 02 min
